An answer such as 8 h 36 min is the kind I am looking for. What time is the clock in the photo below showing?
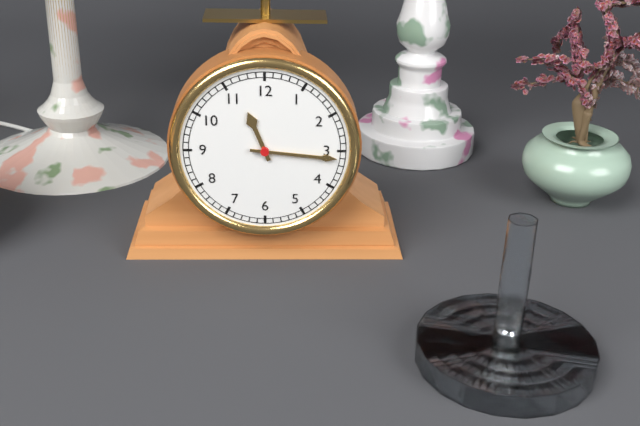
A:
11 h 16 min
